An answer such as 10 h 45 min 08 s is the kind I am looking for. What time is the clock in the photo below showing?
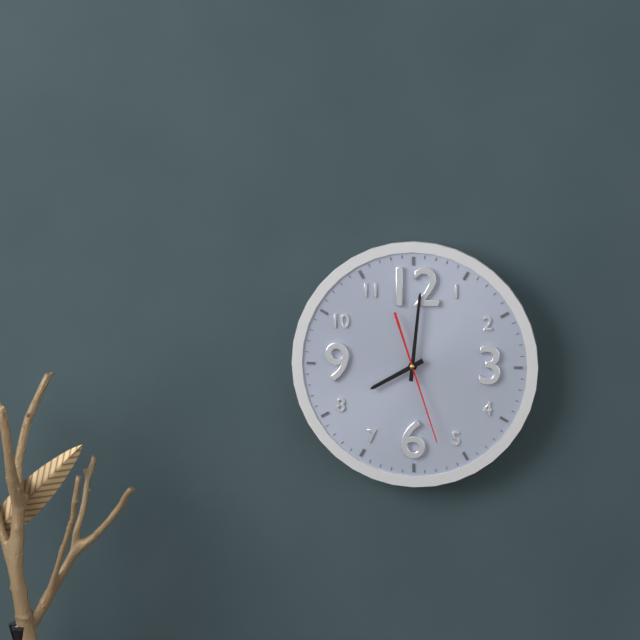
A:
8 h 01 min 27 s
